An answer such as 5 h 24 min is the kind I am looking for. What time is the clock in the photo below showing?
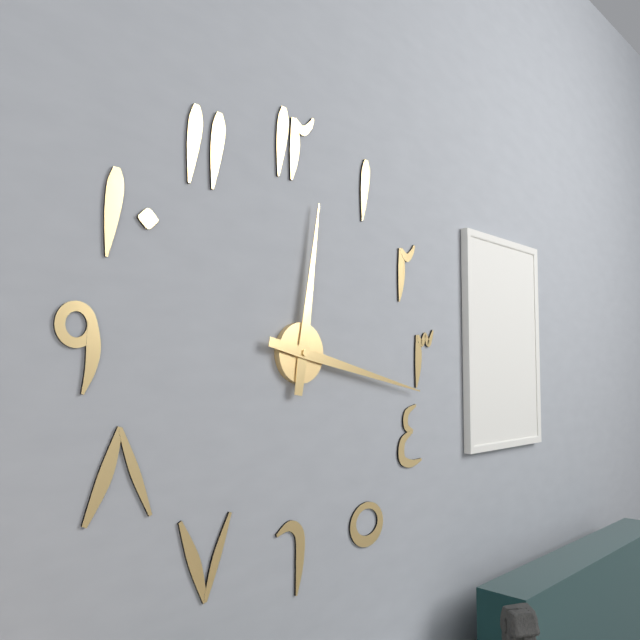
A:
12 h 17 min
